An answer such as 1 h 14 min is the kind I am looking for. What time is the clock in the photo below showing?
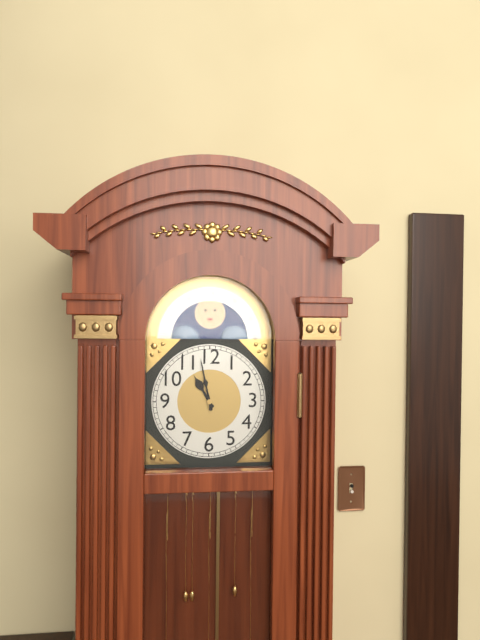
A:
10 h 58 min
